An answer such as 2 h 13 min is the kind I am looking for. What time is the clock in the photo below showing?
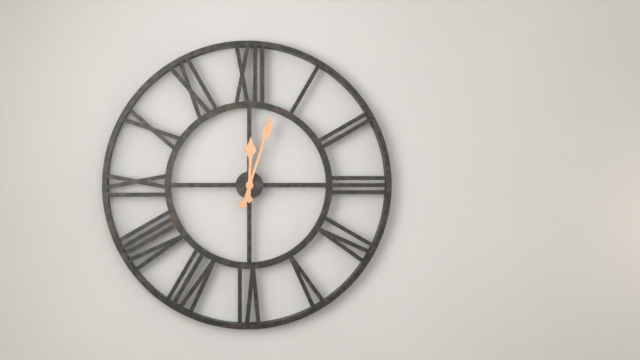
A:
12 h 03 min
